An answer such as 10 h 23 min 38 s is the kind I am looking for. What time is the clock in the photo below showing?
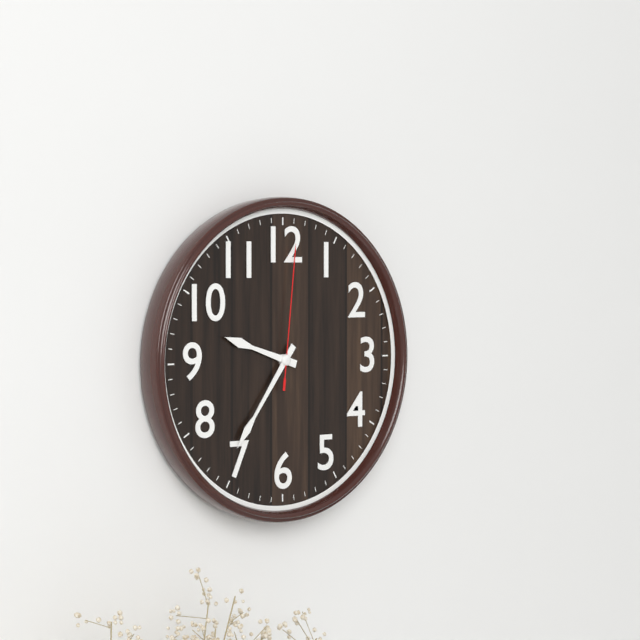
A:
9 h 36 min 01 s
